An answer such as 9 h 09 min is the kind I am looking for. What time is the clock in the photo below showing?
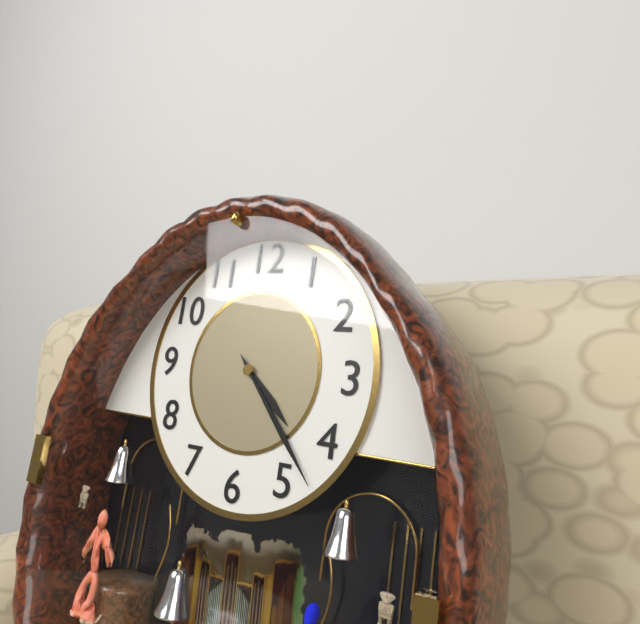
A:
4 h 23 min
